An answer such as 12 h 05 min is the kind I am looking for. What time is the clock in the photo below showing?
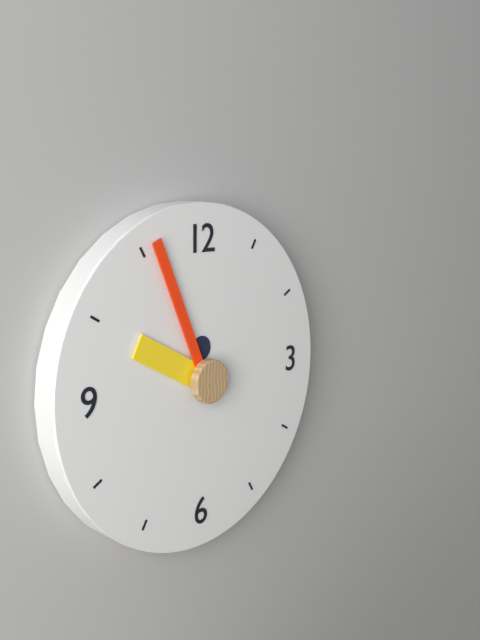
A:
9 h 56 min
